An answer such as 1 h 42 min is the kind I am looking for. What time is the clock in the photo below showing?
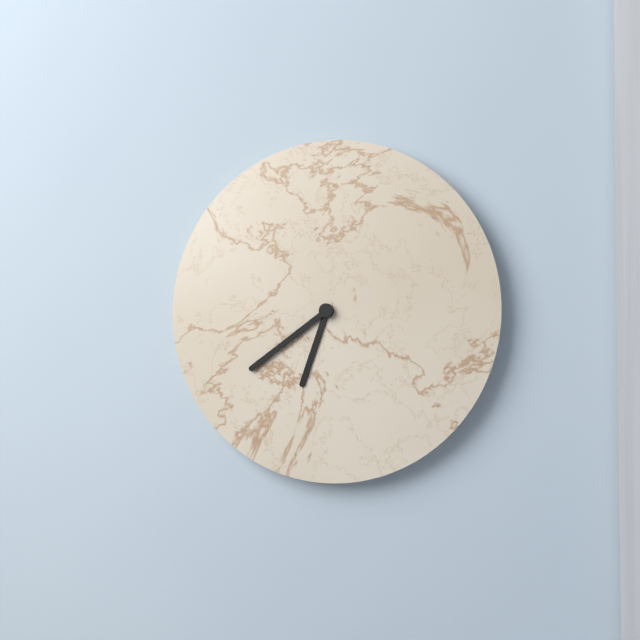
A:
6 h 39 min
